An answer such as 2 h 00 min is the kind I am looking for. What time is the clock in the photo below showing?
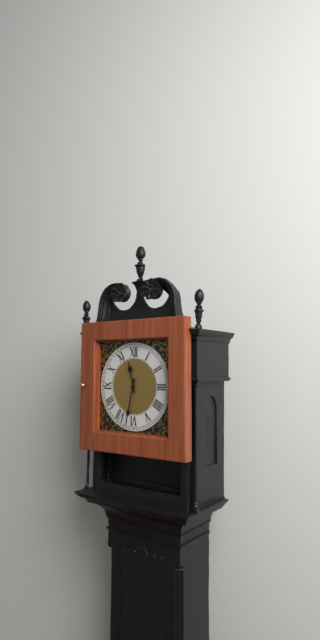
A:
11 h 32 min
